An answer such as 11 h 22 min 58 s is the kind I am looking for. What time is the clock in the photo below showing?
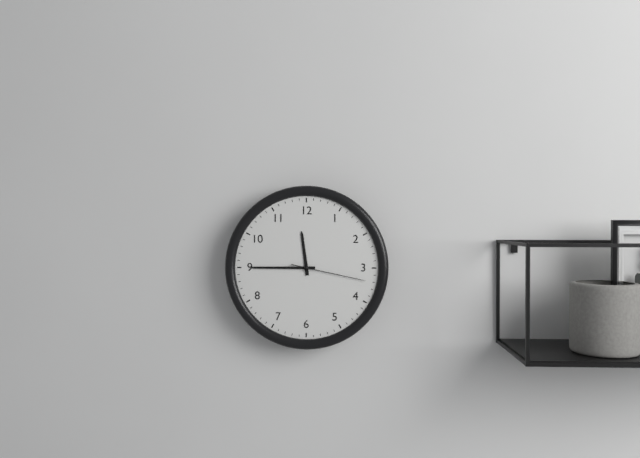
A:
11 h 45 min 17 s
